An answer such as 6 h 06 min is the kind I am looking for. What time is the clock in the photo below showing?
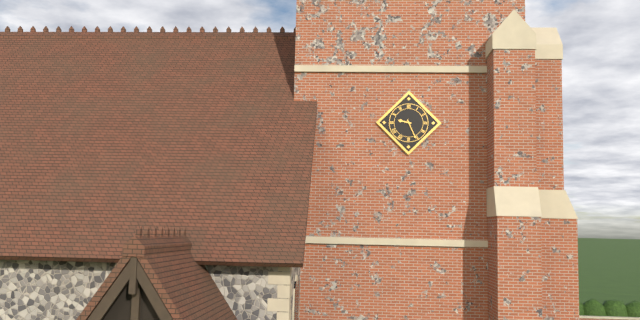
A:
9 h 26 min
